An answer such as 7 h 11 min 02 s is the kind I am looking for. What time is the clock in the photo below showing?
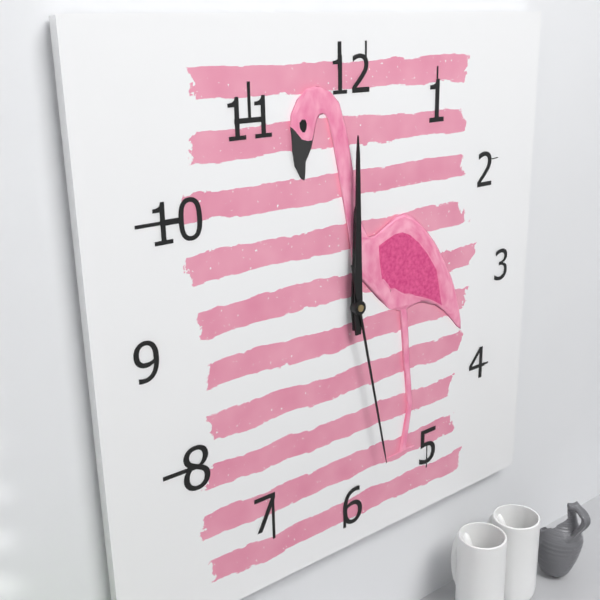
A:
12 h 00 min 28 s
